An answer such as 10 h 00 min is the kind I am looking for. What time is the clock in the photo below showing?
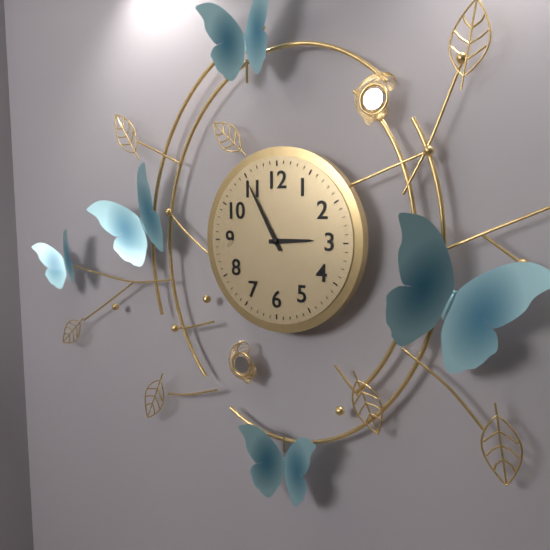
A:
2 h 55 min
